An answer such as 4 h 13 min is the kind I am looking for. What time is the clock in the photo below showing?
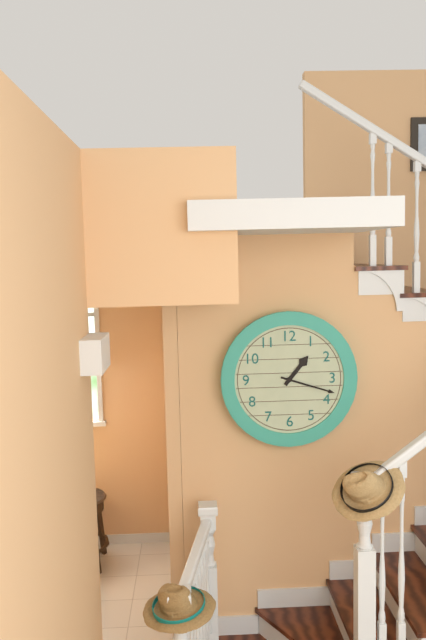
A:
1 h 18 min
